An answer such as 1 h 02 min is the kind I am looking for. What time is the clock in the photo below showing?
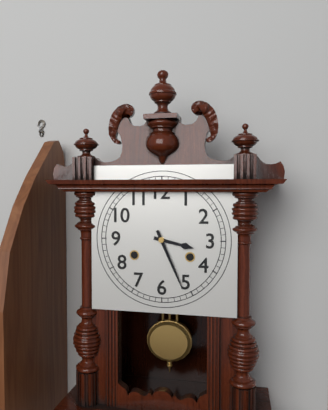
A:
3 h 26 min
